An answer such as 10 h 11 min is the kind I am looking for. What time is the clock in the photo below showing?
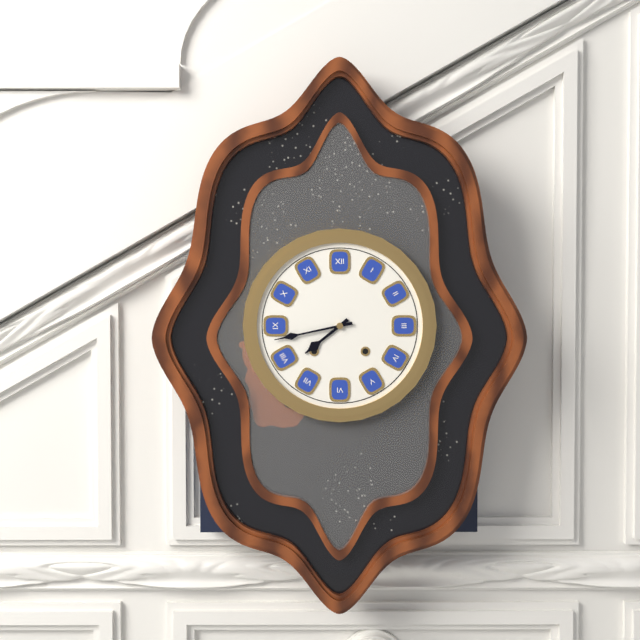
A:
7 h 43 min
